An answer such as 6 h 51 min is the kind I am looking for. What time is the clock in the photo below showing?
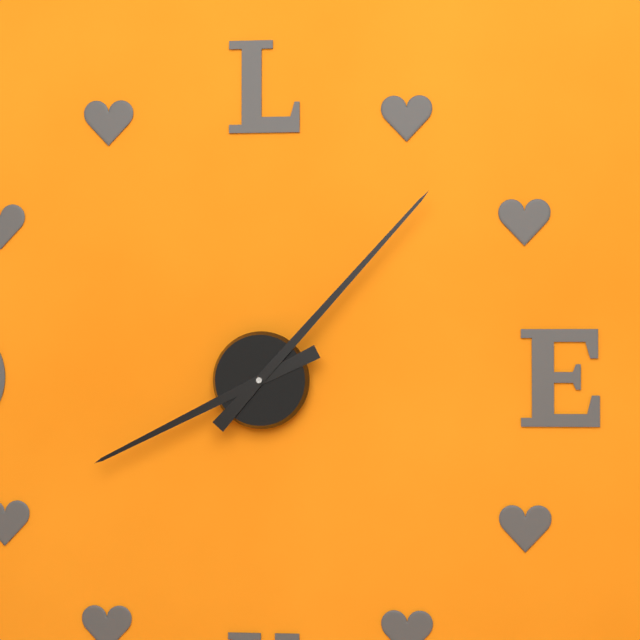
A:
8 h 07 min
